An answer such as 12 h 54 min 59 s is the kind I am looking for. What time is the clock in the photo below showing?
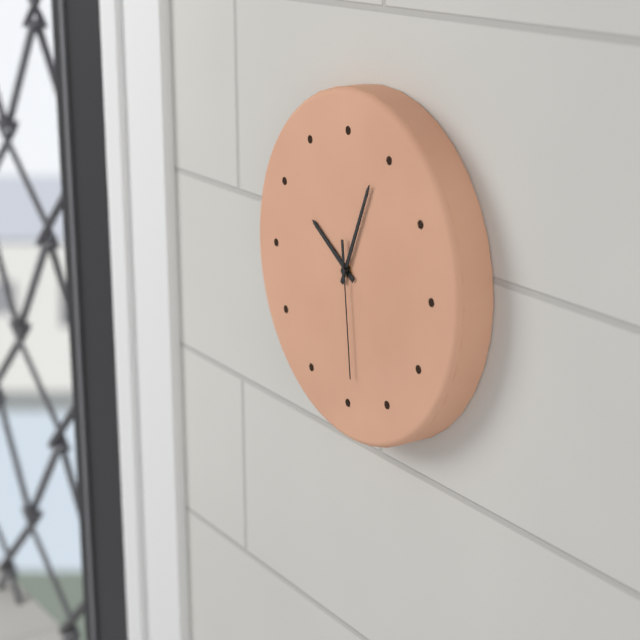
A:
10 h 04 min 29 s
